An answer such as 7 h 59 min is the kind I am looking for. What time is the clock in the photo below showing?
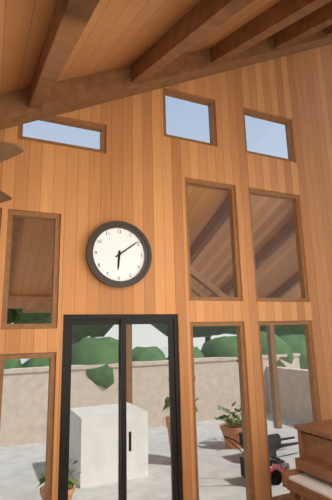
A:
6 h 09 min
